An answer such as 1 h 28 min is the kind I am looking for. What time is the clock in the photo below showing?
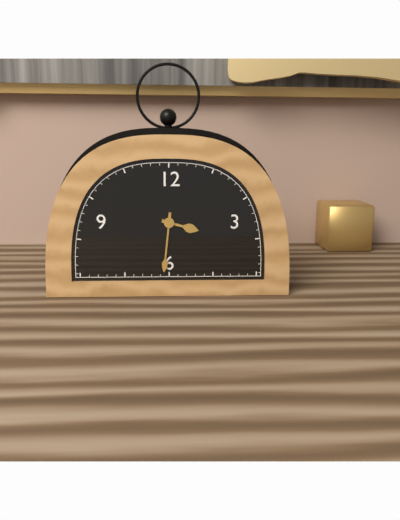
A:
3 h 31 min
